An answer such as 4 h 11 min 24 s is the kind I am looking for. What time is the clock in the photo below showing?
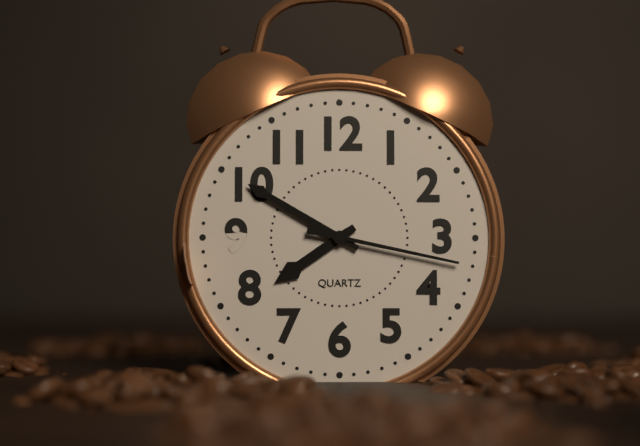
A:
7 h 50 min 17 s
